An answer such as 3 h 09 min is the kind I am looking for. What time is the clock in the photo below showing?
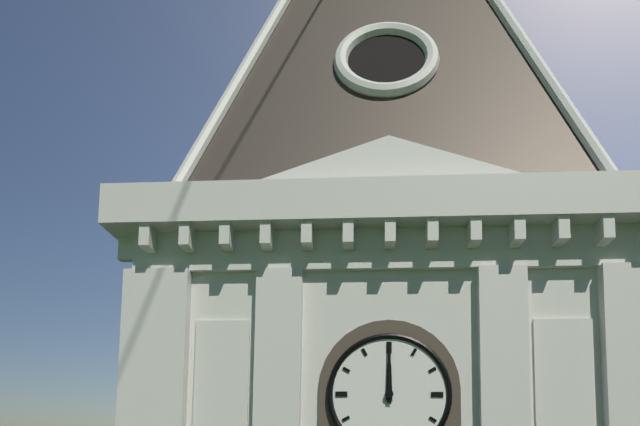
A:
12 h 00 min
